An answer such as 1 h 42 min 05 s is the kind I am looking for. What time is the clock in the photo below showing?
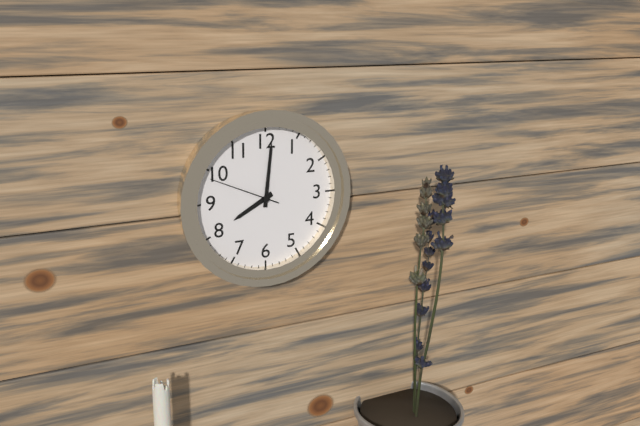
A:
8 h 01 min 49 s
